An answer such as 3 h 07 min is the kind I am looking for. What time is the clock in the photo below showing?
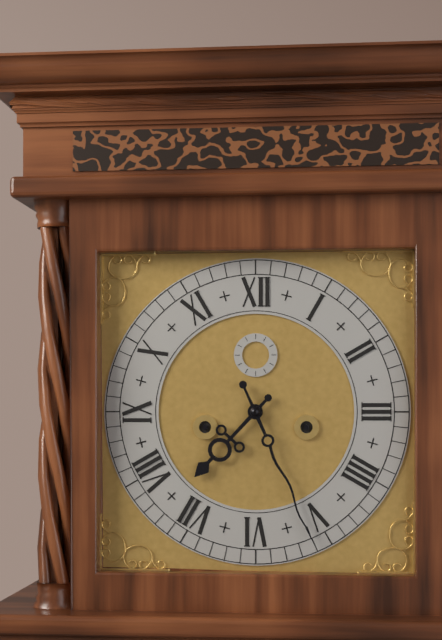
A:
7 h 26 min
